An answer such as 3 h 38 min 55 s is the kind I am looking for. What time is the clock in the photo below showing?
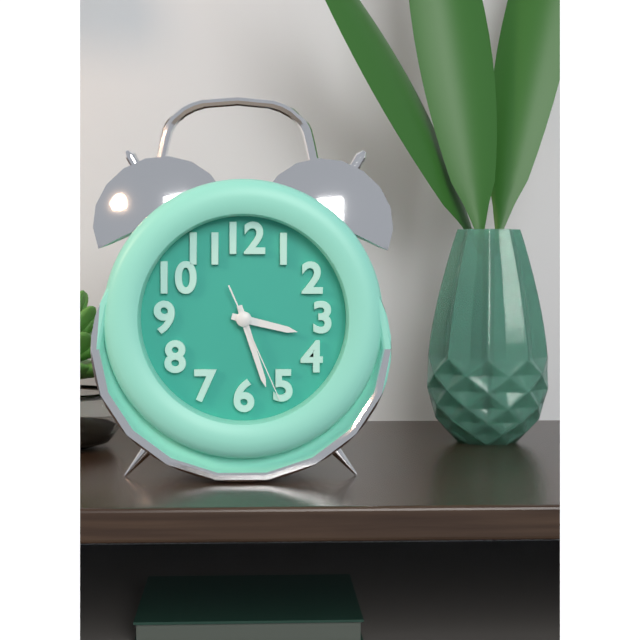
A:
3 h 27 min 26 s
